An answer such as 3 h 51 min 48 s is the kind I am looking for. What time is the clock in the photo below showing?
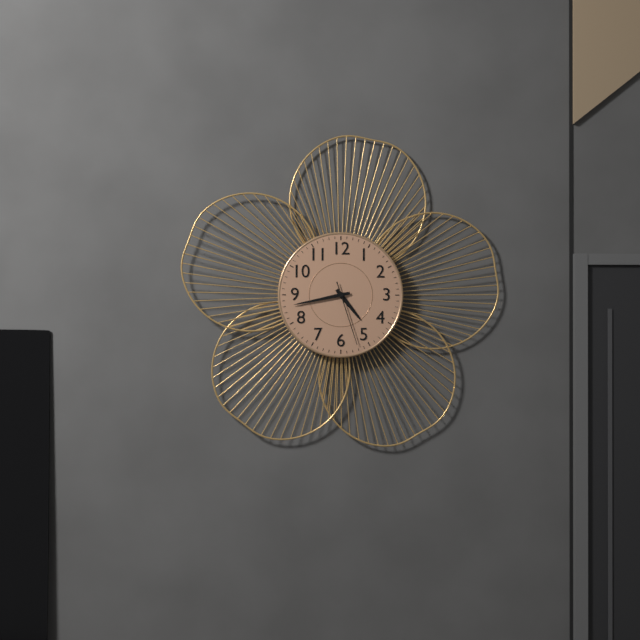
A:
4 h 43 min 27 s
